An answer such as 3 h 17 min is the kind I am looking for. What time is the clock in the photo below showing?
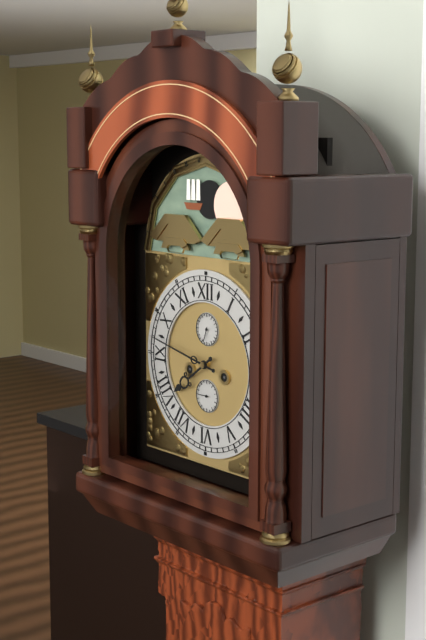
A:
7 h 47 min
